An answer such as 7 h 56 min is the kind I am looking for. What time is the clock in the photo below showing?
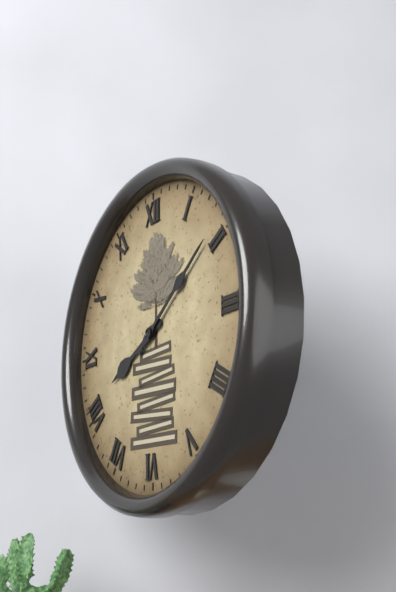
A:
8 h 09 min
